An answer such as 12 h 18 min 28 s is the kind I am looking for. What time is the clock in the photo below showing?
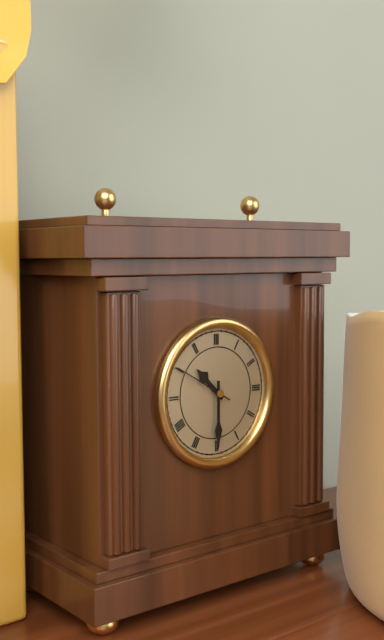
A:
10 h 30 min 50 s
